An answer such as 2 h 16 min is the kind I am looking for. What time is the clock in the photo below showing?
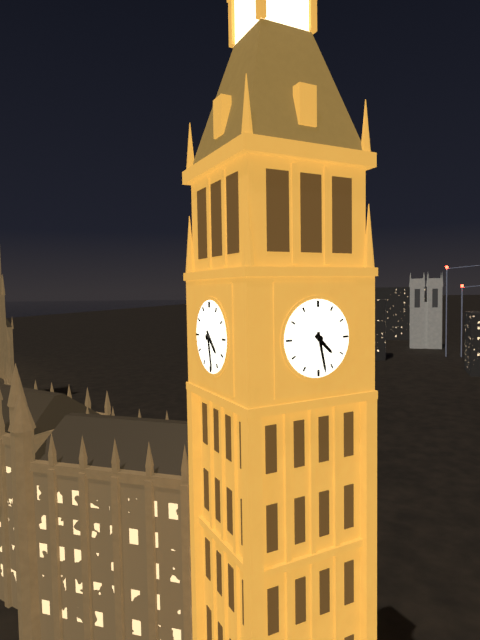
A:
4 h 28 min
